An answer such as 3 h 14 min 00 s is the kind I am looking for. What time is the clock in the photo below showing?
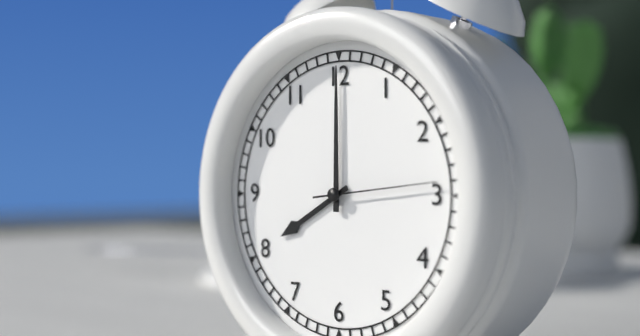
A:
8 h 00 min 14 s
